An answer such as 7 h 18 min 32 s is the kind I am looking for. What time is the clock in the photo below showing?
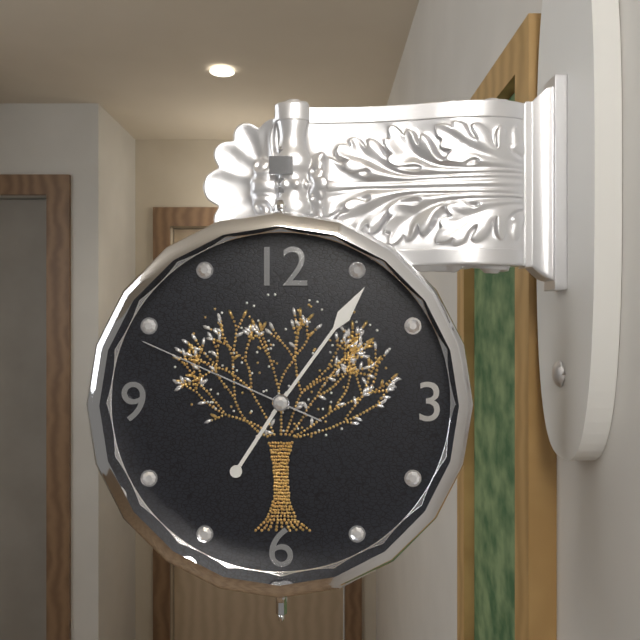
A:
7 h 06 min 49 s
